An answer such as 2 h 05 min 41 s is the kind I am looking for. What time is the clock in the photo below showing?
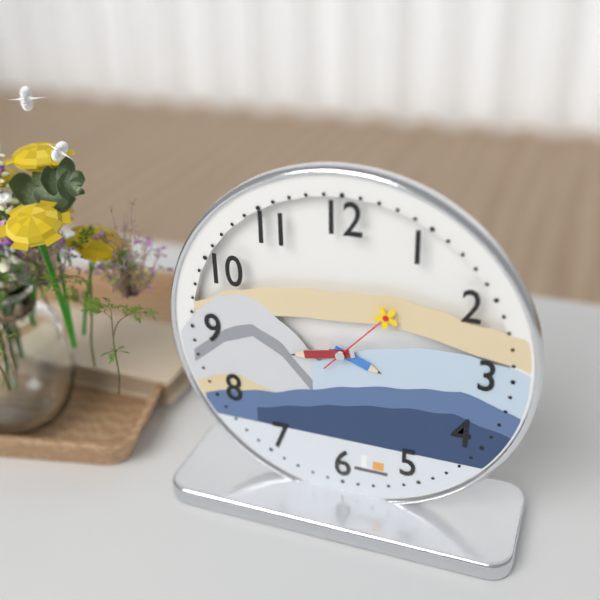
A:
3 h 43 min 07 s
